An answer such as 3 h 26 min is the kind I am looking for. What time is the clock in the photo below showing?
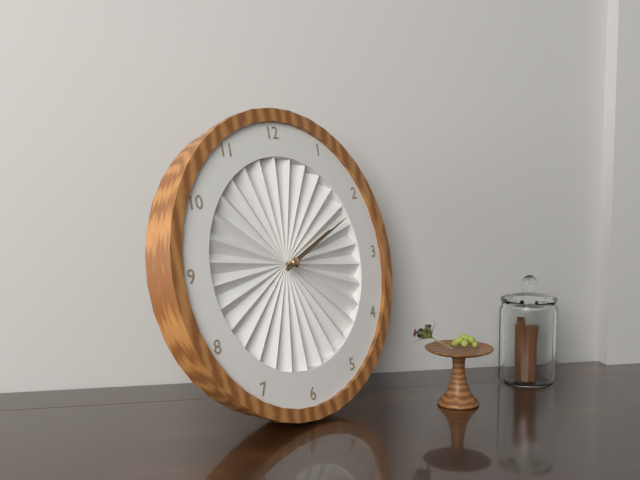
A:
2 h 11 min
